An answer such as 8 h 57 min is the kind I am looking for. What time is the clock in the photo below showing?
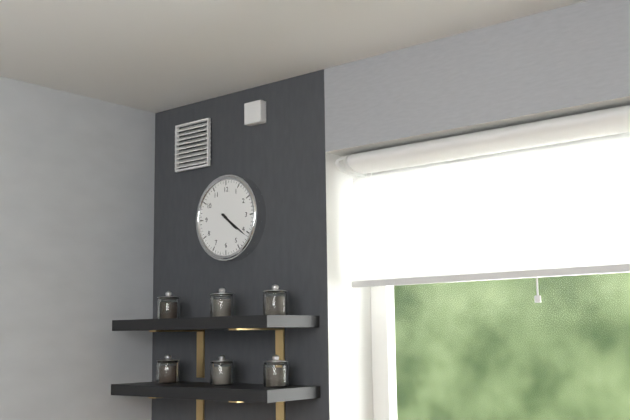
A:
4 h 21 min
